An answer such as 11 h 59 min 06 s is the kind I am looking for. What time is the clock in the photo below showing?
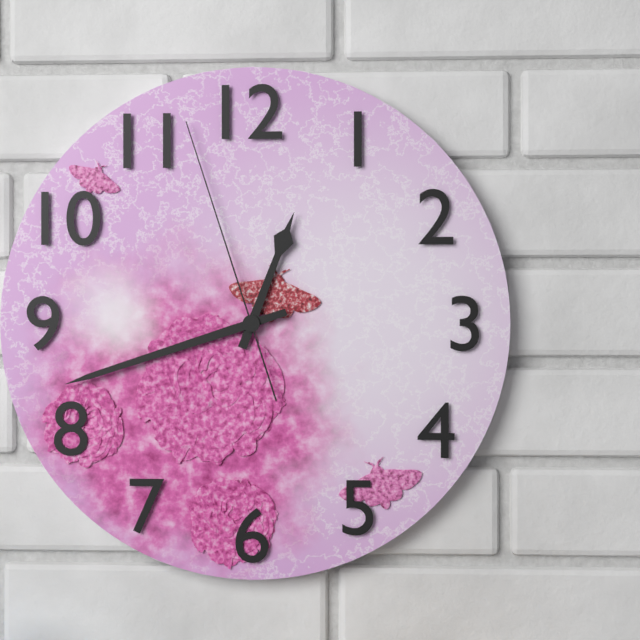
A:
12 h 42 min 57 s
